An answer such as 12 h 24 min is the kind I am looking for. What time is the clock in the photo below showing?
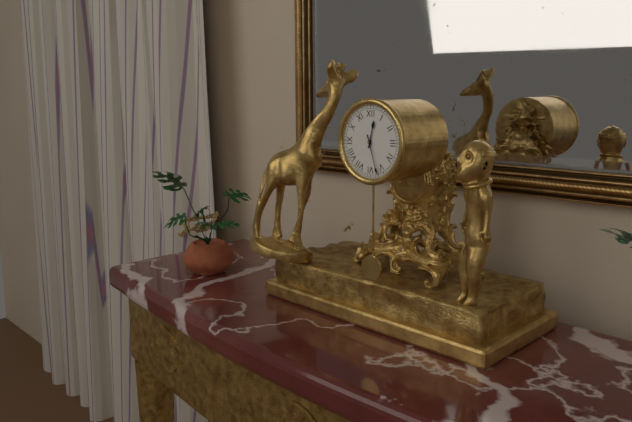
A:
12 h 27 min
